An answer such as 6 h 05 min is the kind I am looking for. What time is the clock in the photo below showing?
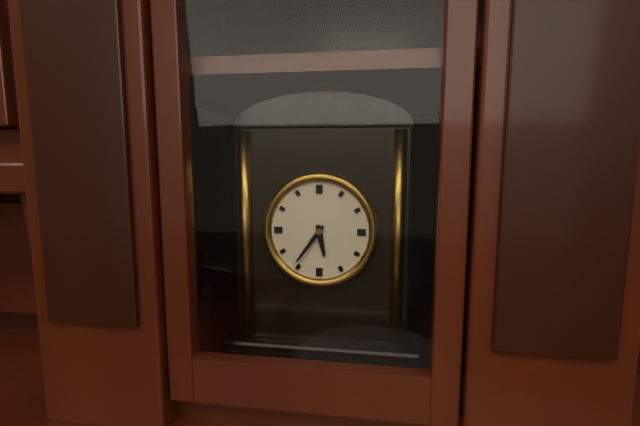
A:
5 h 36 min
